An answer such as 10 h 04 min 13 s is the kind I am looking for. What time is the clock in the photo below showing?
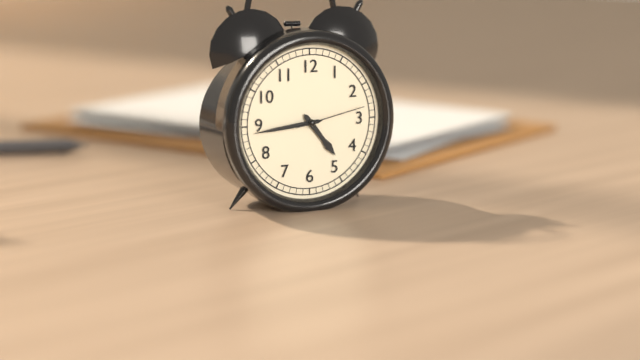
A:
4 h 44 min 13 s
